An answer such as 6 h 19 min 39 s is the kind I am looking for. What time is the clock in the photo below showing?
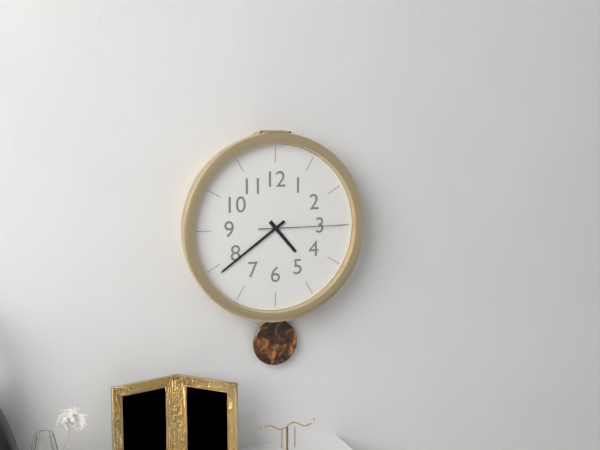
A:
4 h 39 min 15 s
